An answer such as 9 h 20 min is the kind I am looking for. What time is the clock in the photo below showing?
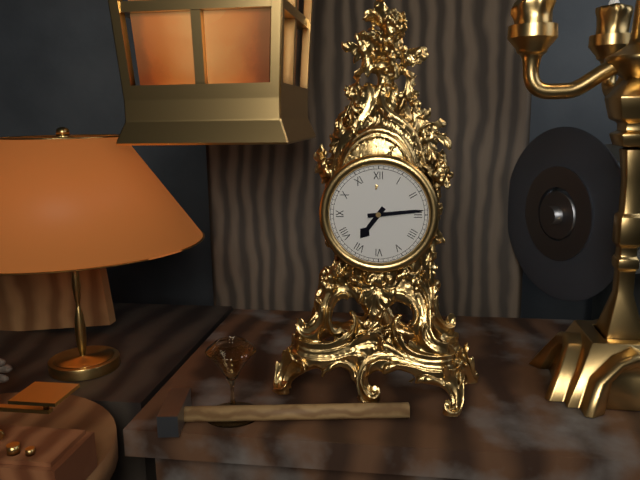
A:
7 h 14 min
